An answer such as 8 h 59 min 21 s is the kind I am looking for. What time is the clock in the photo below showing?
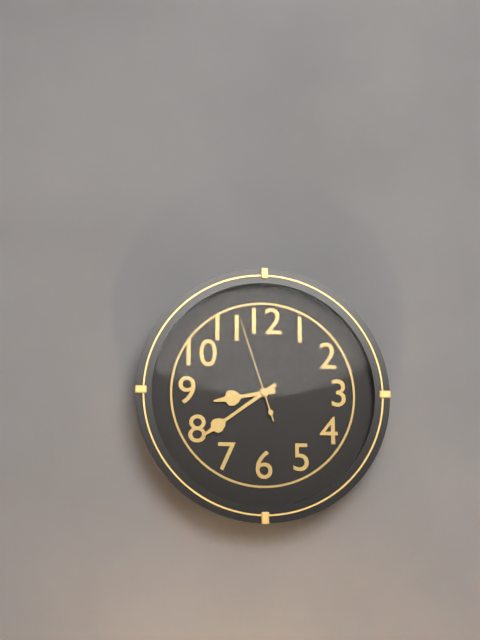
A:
8 h 39 min 57 s
